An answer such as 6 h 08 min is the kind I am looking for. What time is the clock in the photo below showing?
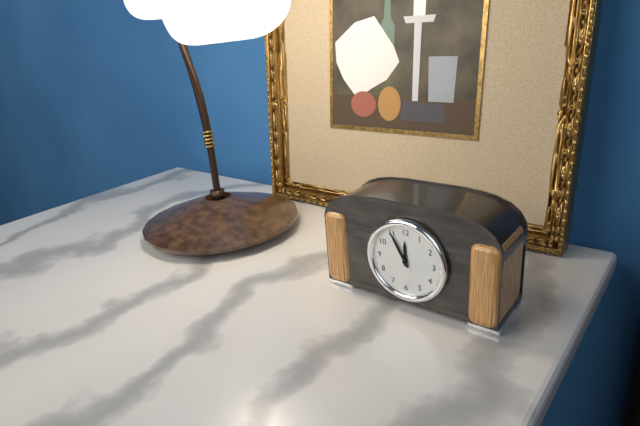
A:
11 h 55 min
